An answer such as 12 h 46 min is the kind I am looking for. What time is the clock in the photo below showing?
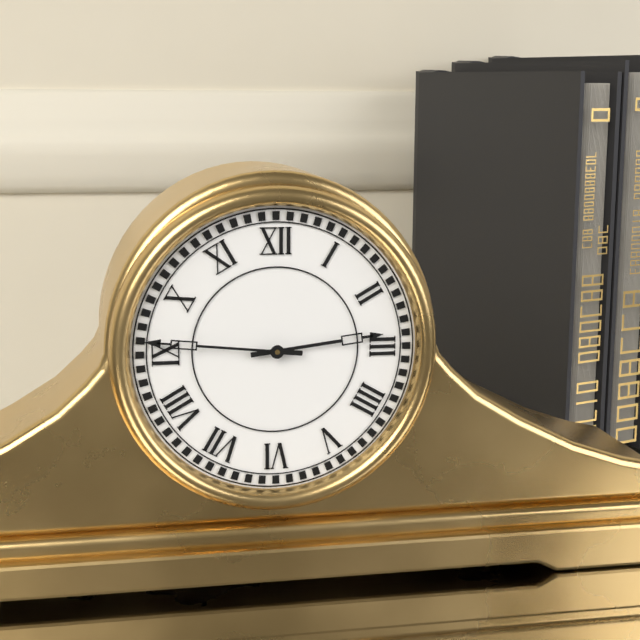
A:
2 h 46 min
